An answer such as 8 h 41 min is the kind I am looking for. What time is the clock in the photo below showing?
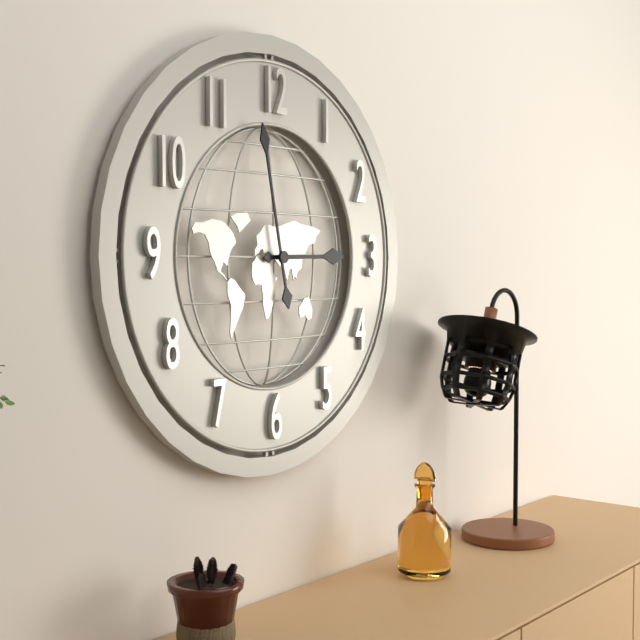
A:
2 h 58 min
